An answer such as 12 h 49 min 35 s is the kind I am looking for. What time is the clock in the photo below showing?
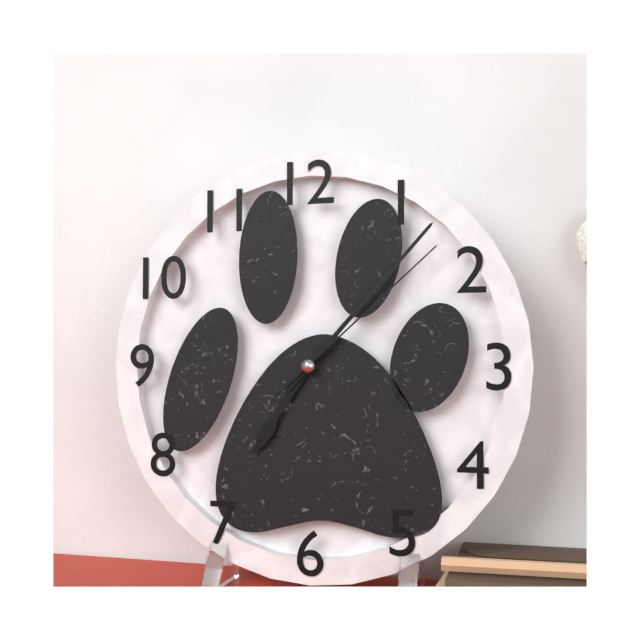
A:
7 h 07 min 08 s
